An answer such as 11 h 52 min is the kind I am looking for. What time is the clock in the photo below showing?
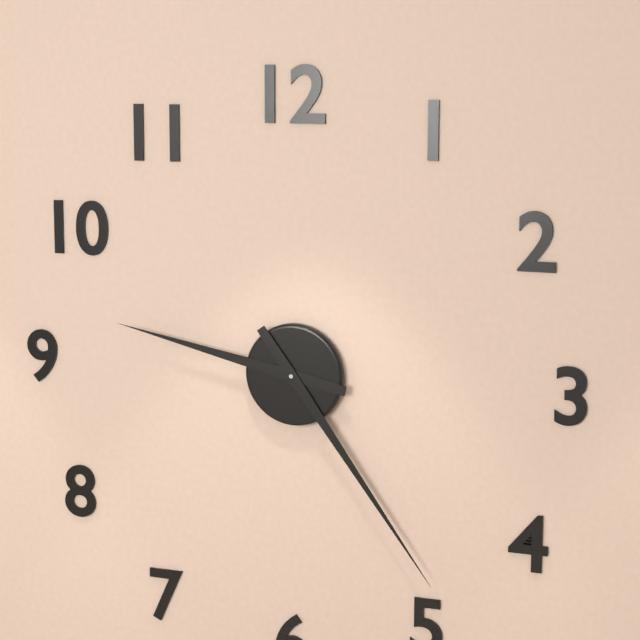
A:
9 h 24 min
